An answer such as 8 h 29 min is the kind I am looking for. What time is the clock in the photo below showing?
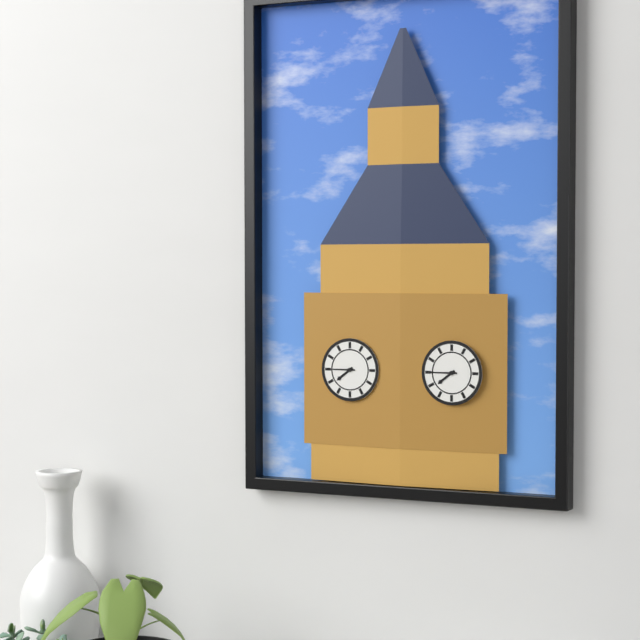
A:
7 h 45 min
